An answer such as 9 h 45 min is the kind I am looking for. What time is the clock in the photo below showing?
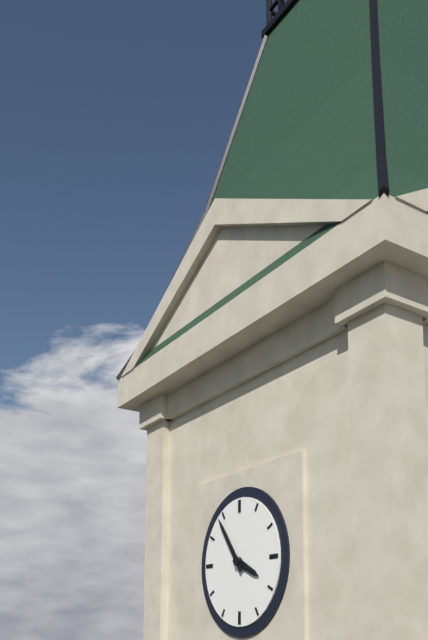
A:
3 h 54 min
